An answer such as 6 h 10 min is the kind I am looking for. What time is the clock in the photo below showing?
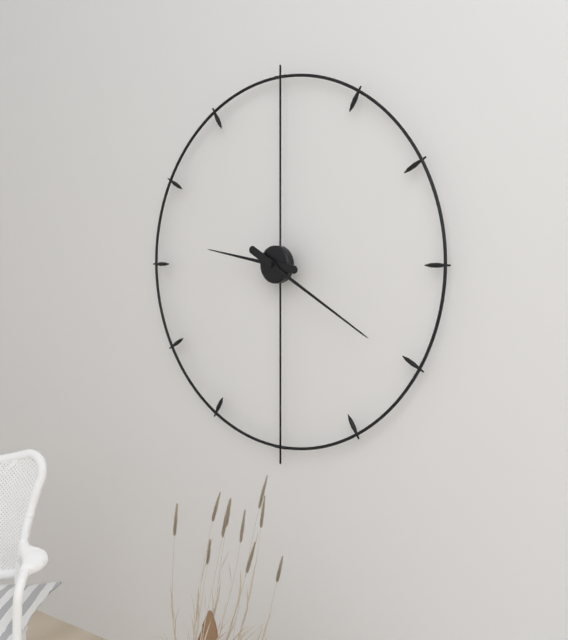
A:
9 h 20 min
